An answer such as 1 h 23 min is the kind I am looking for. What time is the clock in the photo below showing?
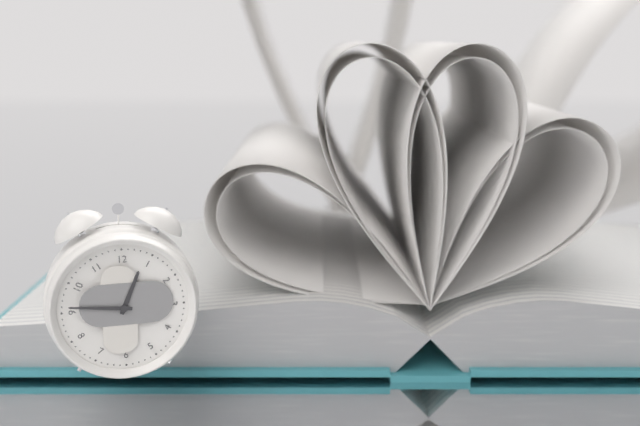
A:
12 h 46 min
